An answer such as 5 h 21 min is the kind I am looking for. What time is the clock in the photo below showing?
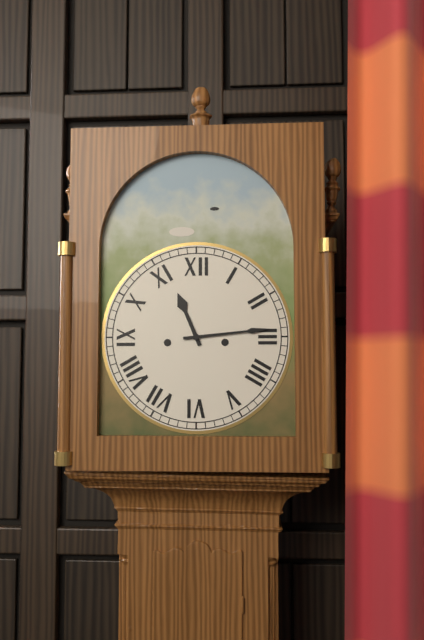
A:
11 h 14 min
